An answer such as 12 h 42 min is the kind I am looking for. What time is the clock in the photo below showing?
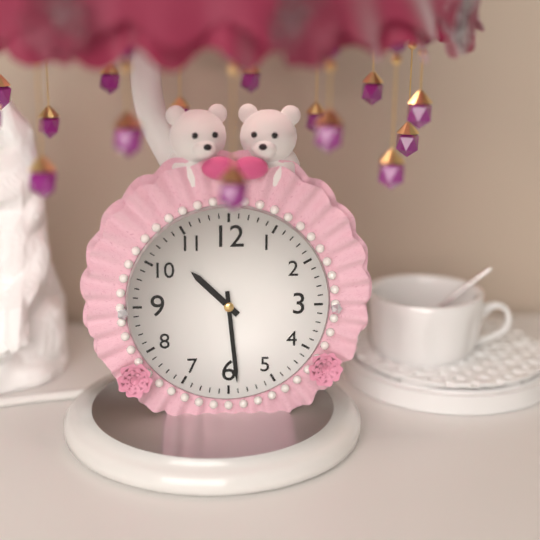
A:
10 h 29 min
